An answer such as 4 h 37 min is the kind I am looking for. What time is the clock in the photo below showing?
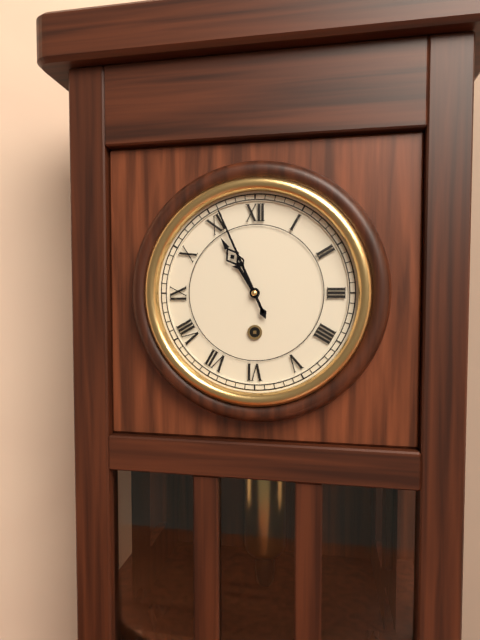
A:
10 h 56 min
